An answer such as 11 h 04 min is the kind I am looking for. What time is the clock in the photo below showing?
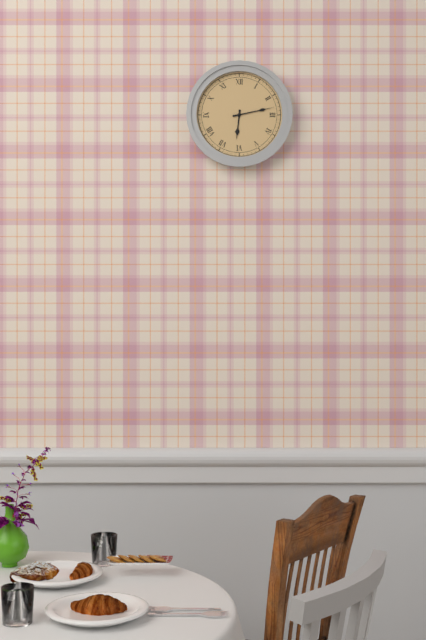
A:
6 h 13 min
